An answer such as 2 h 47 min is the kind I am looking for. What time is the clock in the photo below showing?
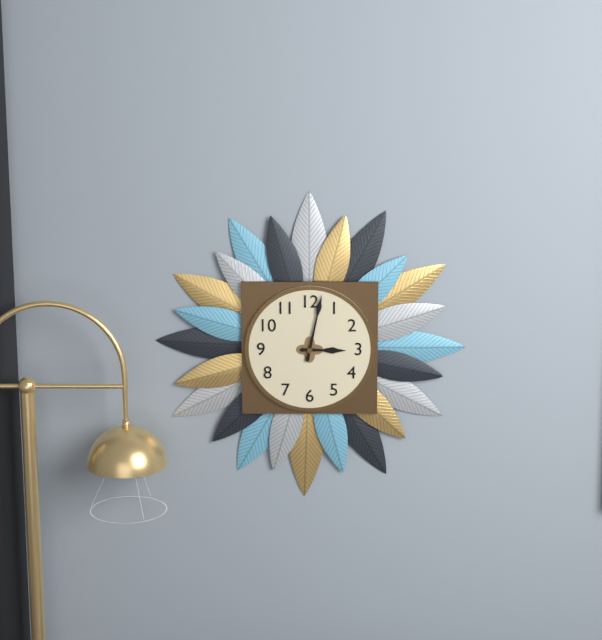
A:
3 h 02 min
